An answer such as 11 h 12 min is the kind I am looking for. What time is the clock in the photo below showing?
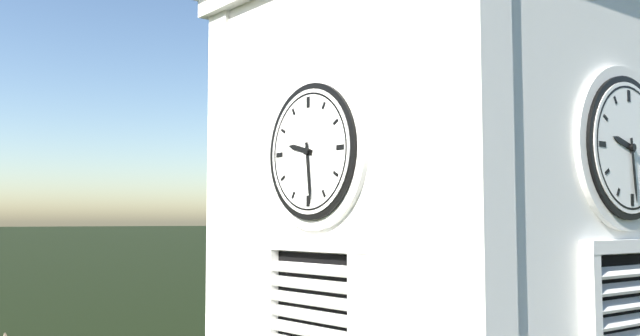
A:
9 h 29 min
